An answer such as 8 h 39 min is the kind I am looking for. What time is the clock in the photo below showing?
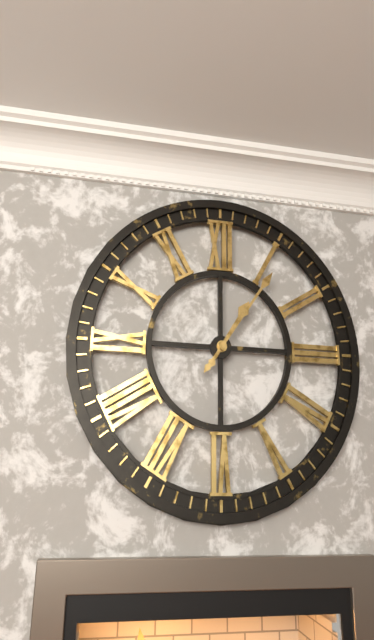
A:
1 h 06 min
